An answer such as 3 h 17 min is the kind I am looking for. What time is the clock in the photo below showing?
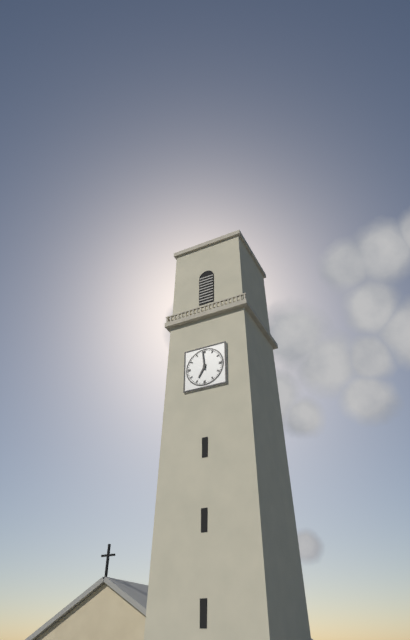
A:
6 h 59 min
